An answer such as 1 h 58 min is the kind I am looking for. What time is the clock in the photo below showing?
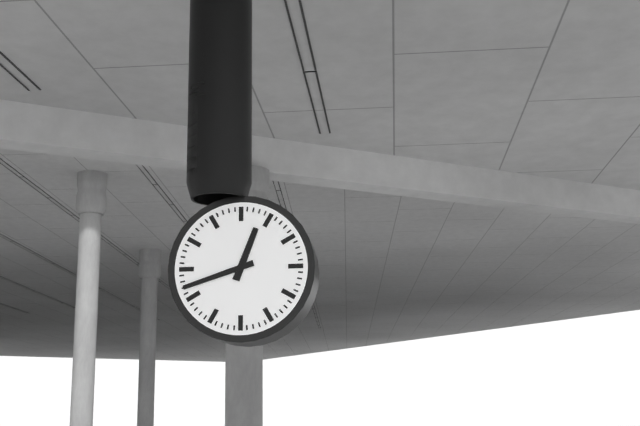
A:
12 h 42 min
